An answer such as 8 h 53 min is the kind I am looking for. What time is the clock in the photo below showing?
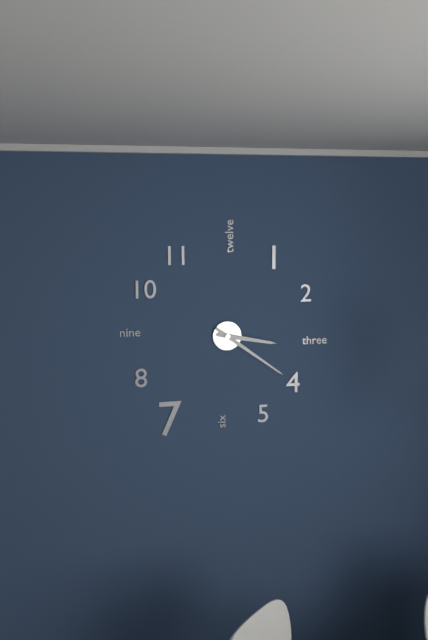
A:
3 h 21 min
